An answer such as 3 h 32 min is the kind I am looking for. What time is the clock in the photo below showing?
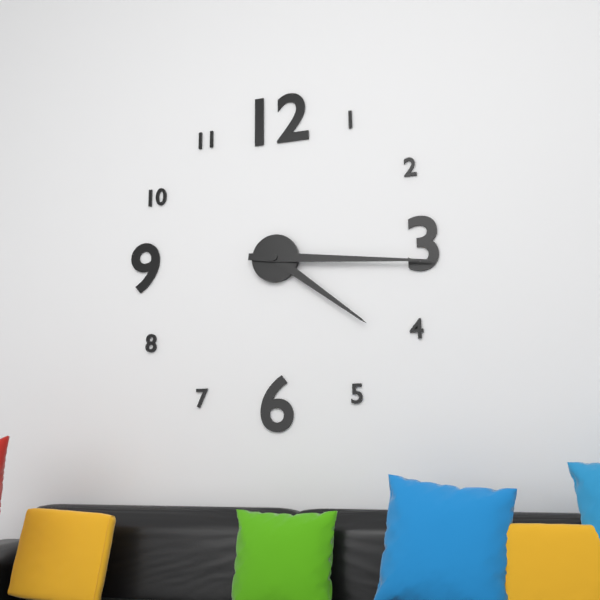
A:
4 h 16 min
